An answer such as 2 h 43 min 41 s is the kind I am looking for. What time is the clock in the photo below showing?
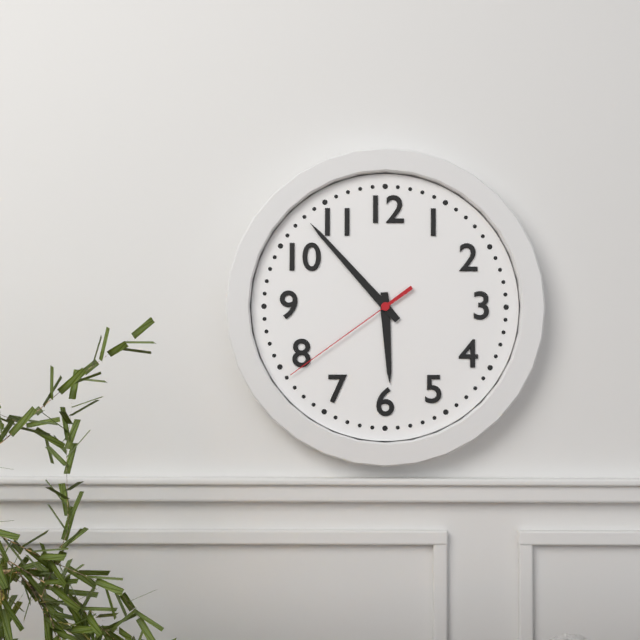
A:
5 h 53 min 39 s
